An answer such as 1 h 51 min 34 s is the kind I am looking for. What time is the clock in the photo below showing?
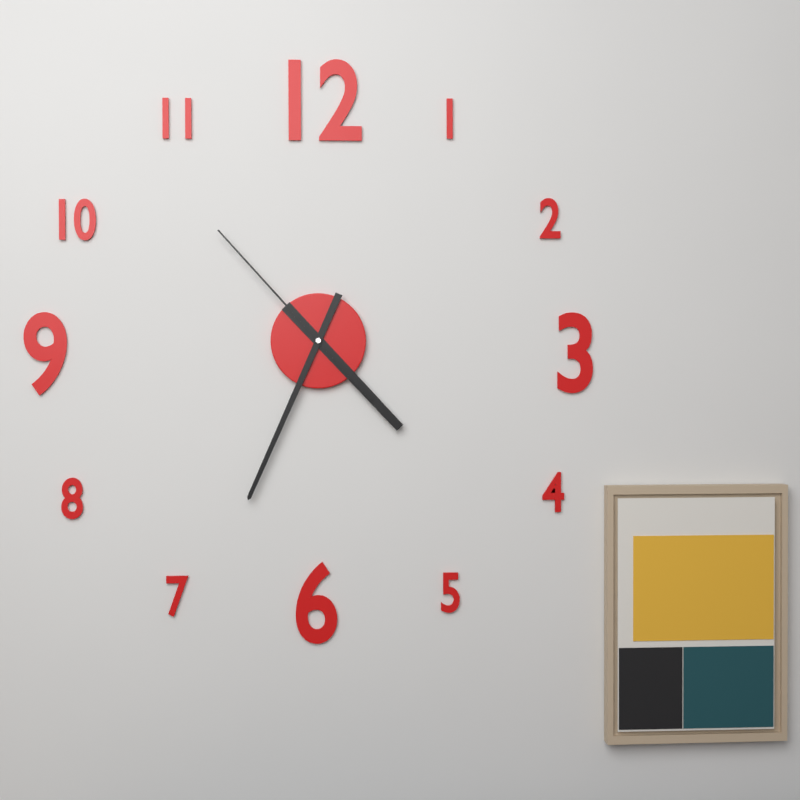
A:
4 h 34 min 53 s
